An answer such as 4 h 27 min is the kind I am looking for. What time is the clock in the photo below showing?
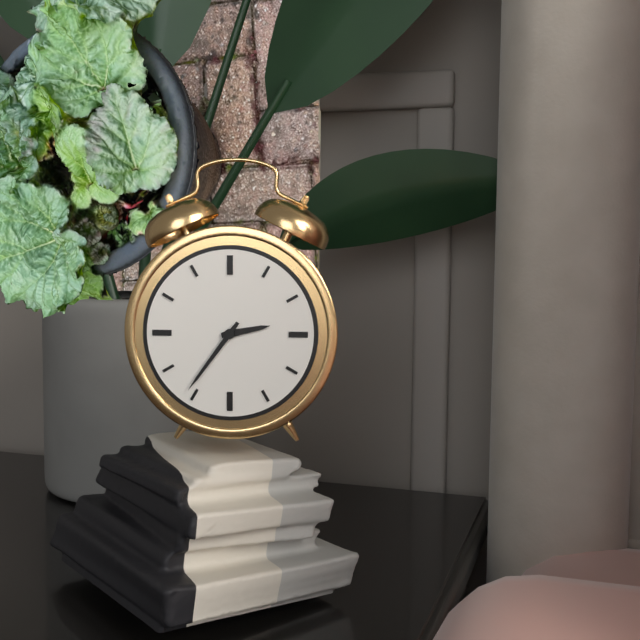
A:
2 h 36 min
